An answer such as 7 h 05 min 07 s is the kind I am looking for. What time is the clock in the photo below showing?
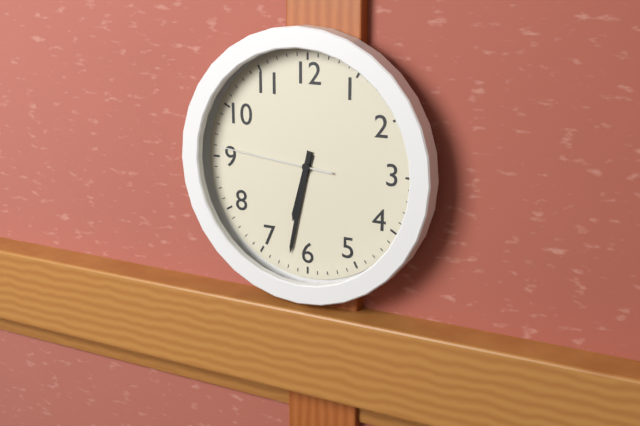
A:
6 h 32 min 46 s
